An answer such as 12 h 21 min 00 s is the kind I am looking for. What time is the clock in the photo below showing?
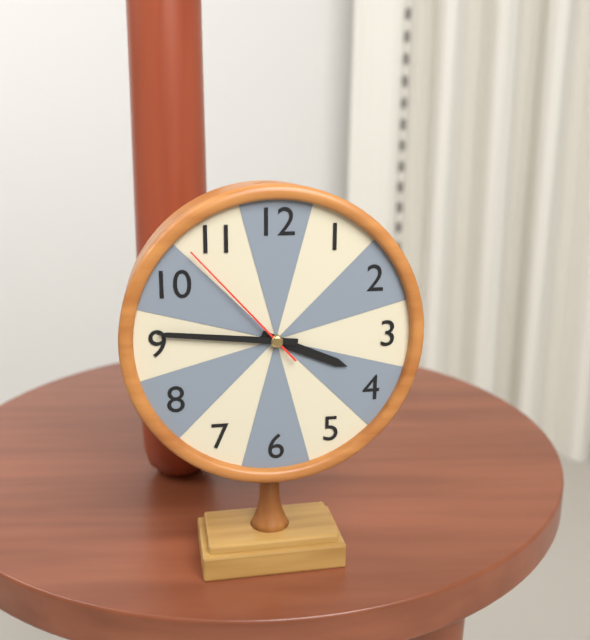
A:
3 h 46 min 53 s
